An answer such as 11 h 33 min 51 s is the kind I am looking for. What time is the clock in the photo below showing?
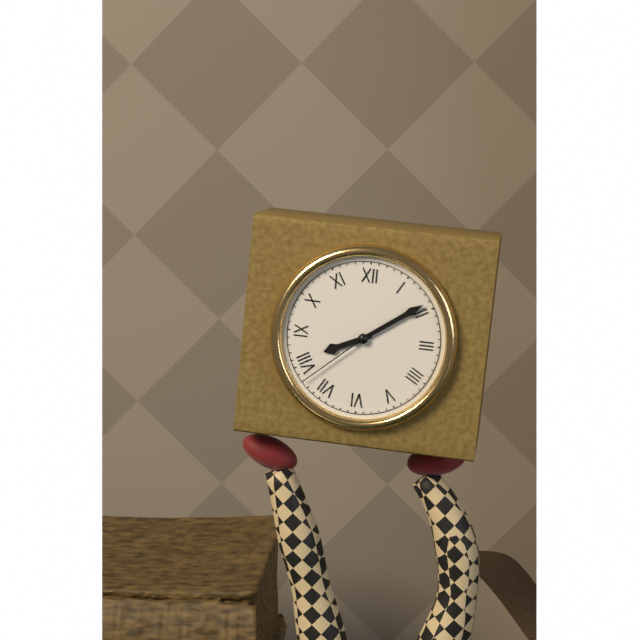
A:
8 h 09 min 38 s
